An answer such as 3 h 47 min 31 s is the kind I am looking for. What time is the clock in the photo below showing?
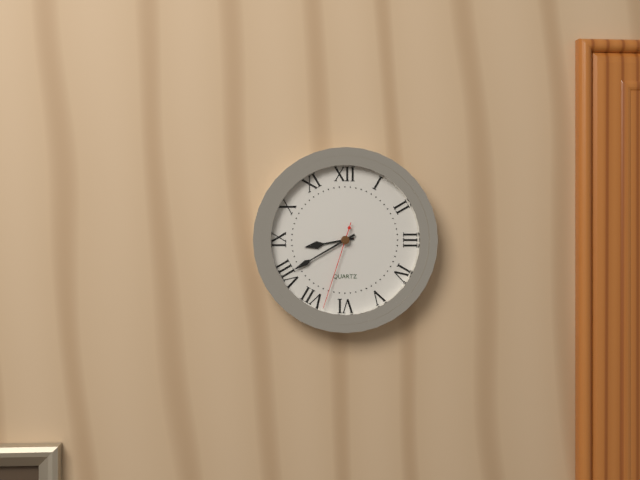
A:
8 h 40 min 33 s
